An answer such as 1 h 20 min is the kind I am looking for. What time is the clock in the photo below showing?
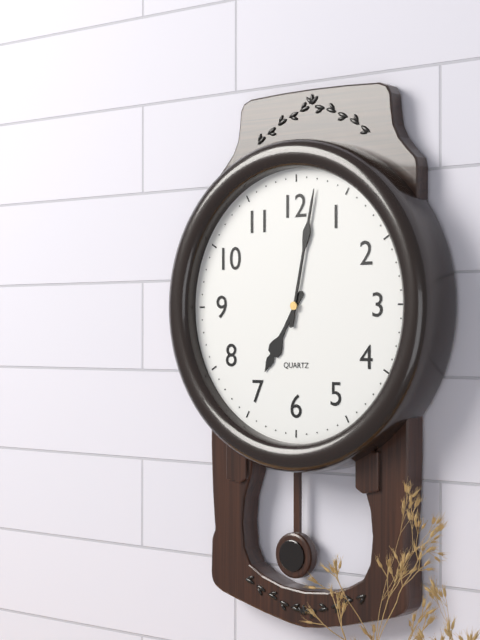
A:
7 h 02 min
